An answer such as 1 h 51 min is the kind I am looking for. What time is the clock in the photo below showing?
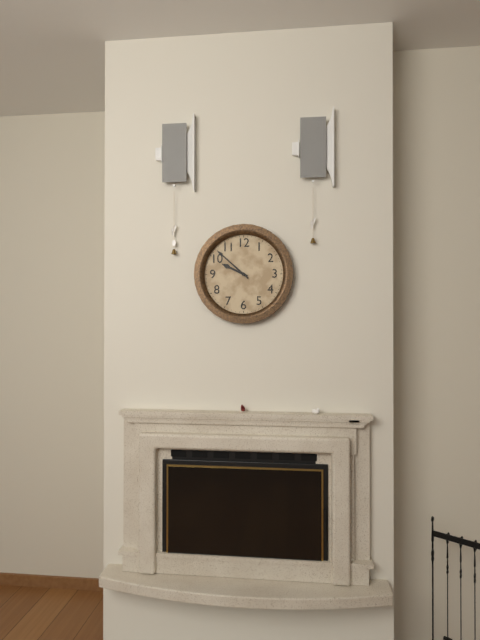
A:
9 h 52 min
